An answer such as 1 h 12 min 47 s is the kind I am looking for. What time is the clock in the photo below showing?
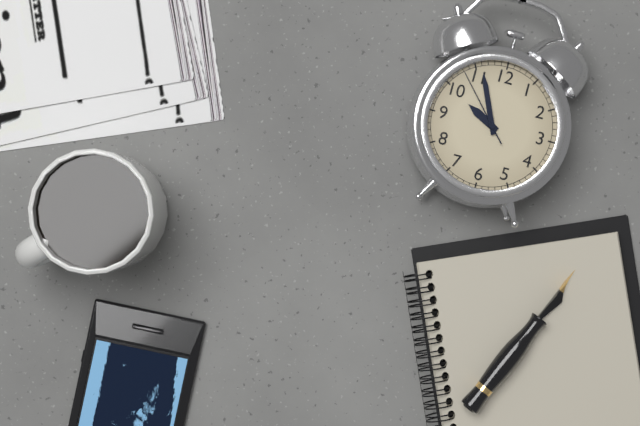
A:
9 h 56 min 53 s
